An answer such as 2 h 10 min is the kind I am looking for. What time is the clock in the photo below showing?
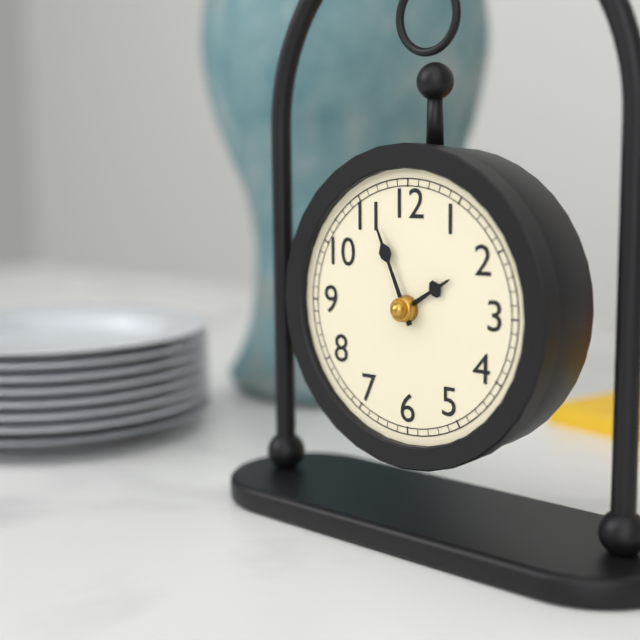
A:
1 h 56 min
